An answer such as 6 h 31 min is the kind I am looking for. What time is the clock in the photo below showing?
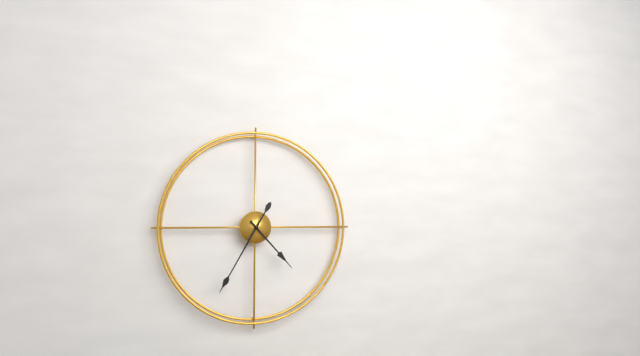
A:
4 h 35 min
